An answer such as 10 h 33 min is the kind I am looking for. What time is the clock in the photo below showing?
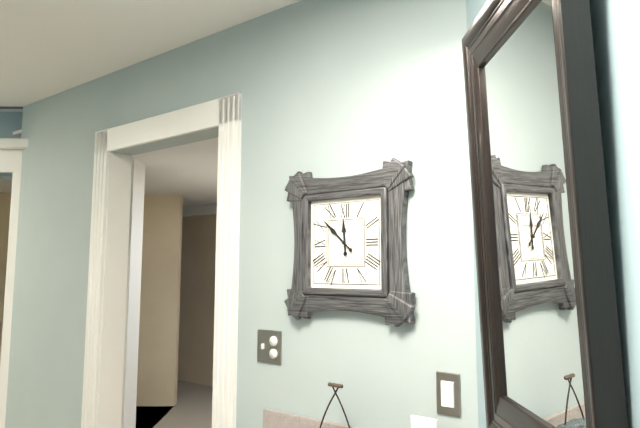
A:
11 h 52 min
